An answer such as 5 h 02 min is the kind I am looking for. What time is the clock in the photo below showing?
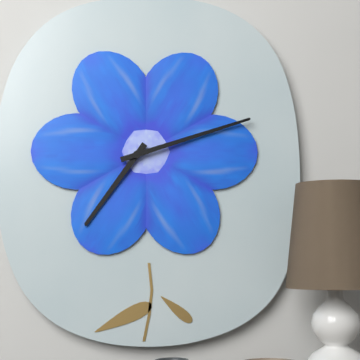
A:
7 h 12 min
